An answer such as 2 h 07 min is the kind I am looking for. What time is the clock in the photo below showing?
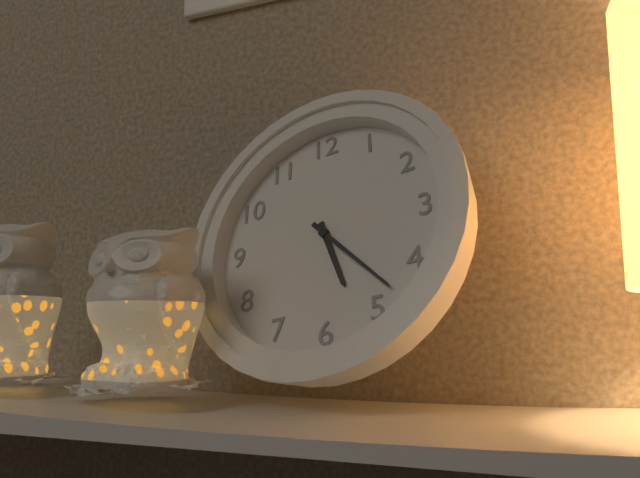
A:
5 h 23 min
